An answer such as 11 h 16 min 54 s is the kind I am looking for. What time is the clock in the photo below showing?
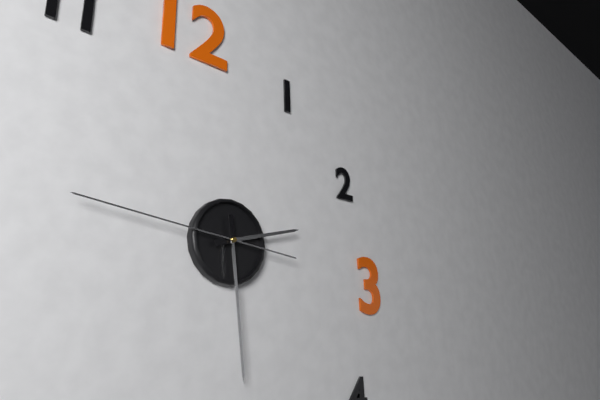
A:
2 h 29 min 46 s
